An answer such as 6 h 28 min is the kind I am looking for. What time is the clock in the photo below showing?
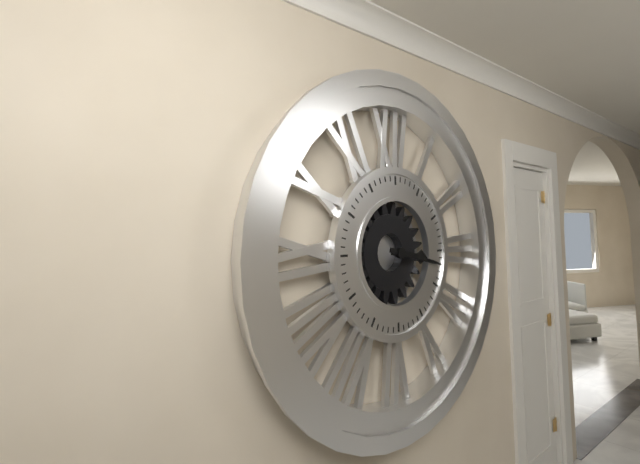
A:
3 h 17 min
